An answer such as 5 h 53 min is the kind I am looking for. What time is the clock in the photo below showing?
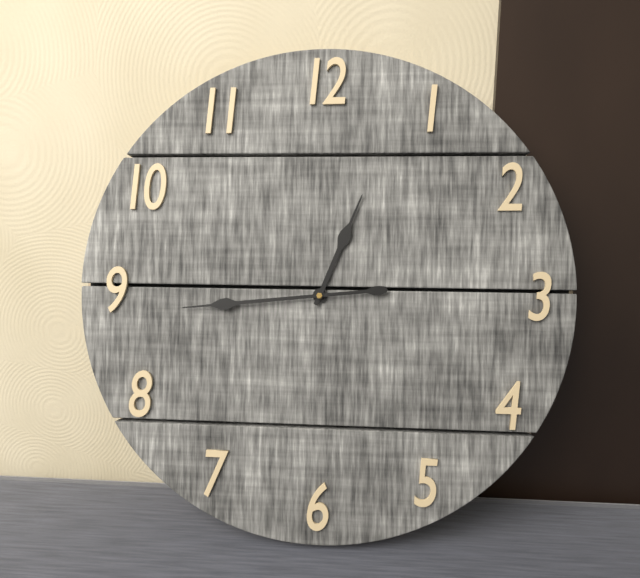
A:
12 h 44 min
